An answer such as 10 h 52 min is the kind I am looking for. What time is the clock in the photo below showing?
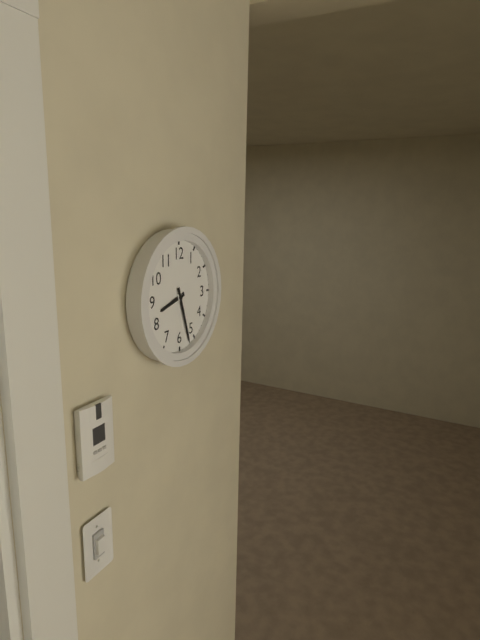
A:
8 h 27 min
